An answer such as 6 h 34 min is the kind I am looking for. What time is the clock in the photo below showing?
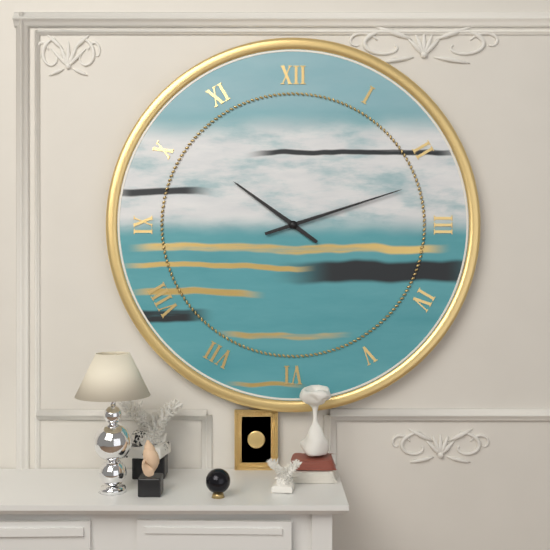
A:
10 h 12 min
